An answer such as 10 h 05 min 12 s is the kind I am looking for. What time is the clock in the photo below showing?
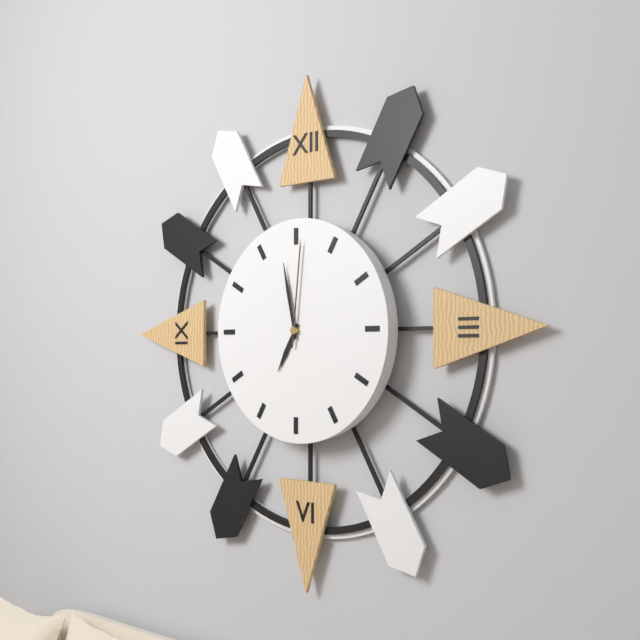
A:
6 h 58 min 01 s
